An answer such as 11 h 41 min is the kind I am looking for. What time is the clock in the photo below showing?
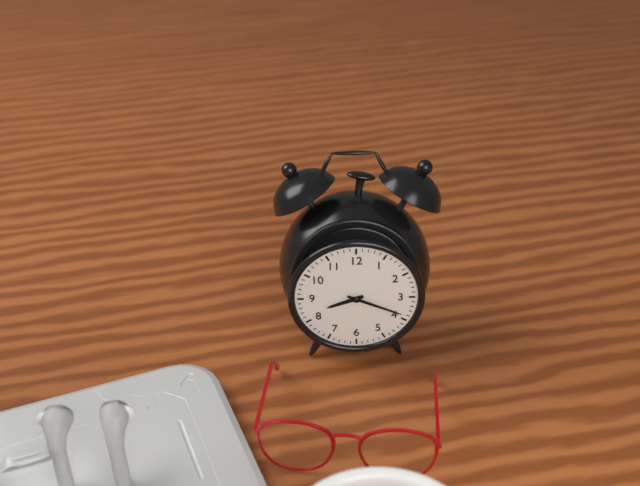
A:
8 h 19 min
